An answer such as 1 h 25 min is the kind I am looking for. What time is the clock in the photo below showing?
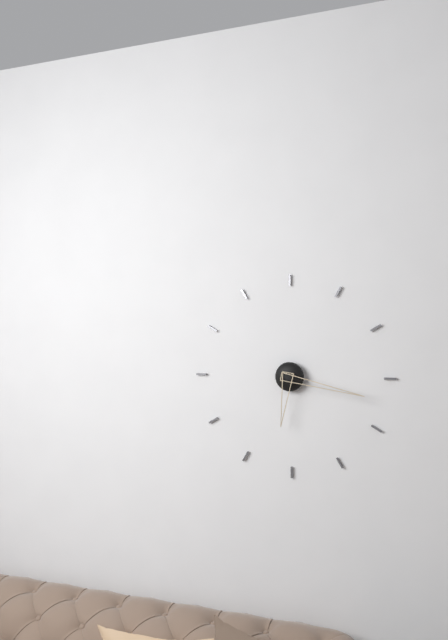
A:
6 h 17 min
